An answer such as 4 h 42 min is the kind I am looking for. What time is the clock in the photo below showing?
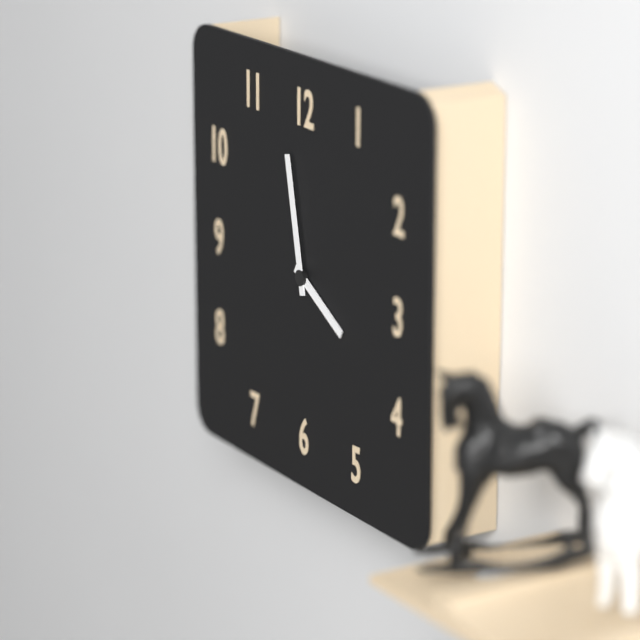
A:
3 h 58 min
